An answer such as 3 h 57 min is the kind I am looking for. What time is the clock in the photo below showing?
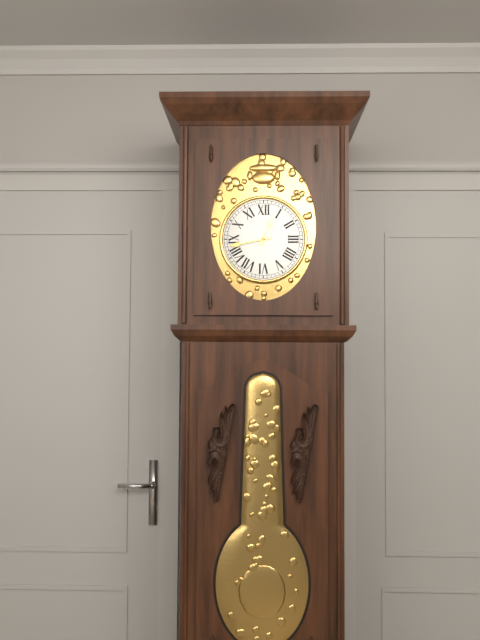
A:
12 h 43 min
